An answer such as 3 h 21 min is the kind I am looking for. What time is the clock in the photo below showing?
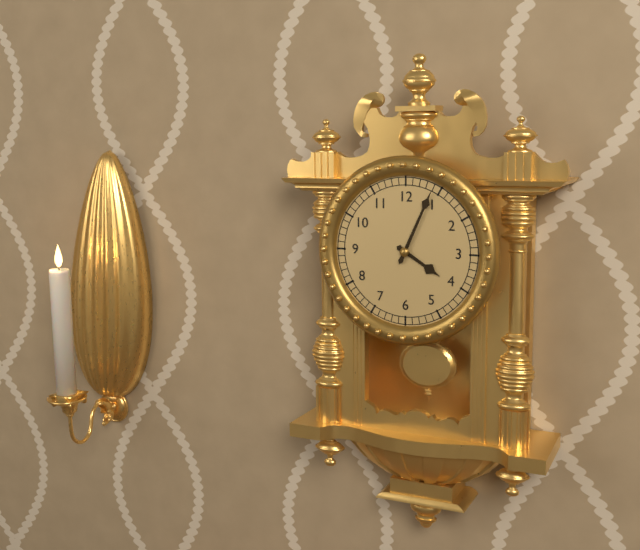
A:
4 h 04 min
